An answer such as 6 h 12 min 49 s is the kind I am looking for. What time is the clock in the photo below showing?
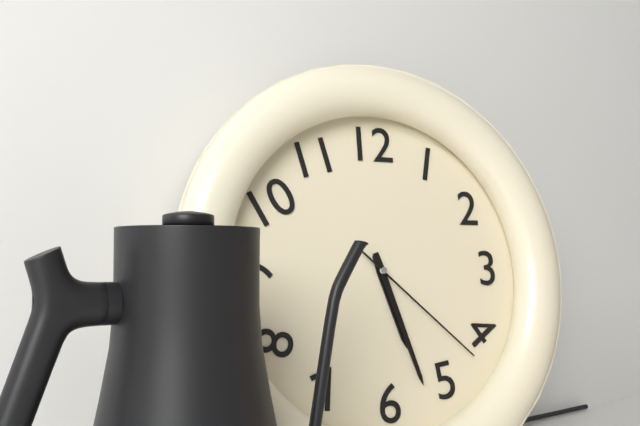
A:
5 h 27 min 22 s
